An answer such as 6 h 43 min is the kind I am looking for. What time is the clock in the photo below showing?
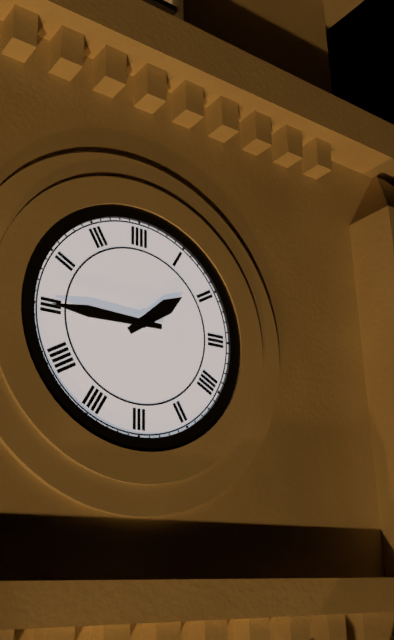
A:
1 h 45 min
